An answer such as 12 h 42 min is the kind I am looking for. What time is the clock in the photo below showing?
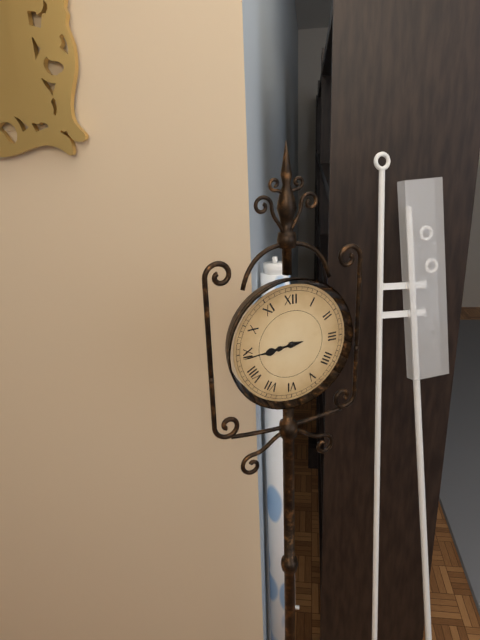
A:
8 h 44 min
